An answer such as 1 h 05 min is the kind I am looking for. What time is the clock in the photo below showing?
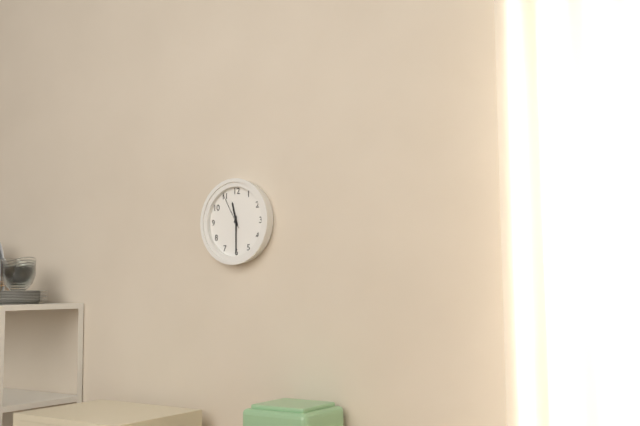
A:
11 h 30 min
